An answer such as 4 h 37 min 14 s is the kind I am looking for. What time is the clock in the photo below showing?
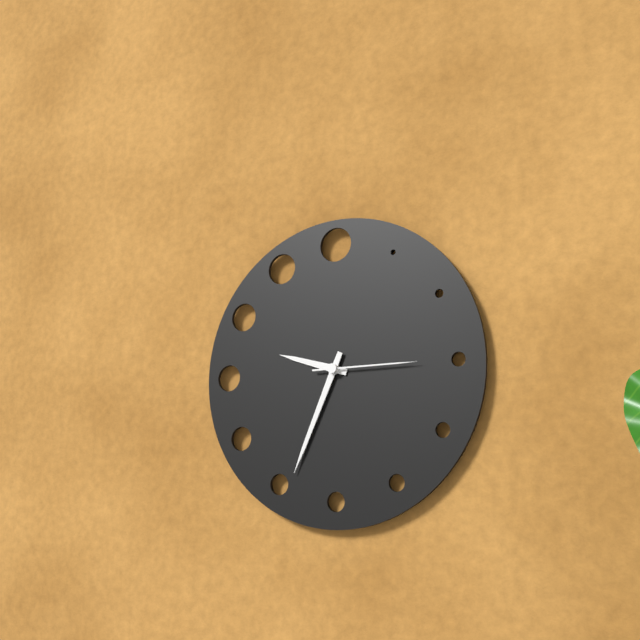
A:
9 h 34 min 15 s
